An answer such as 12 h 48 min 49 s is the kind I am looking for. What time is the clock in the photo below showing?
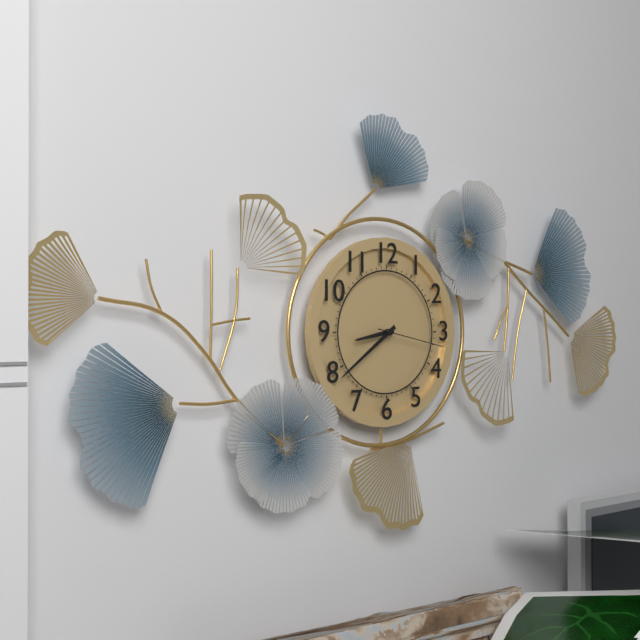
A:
8 h 39 min 17 s
